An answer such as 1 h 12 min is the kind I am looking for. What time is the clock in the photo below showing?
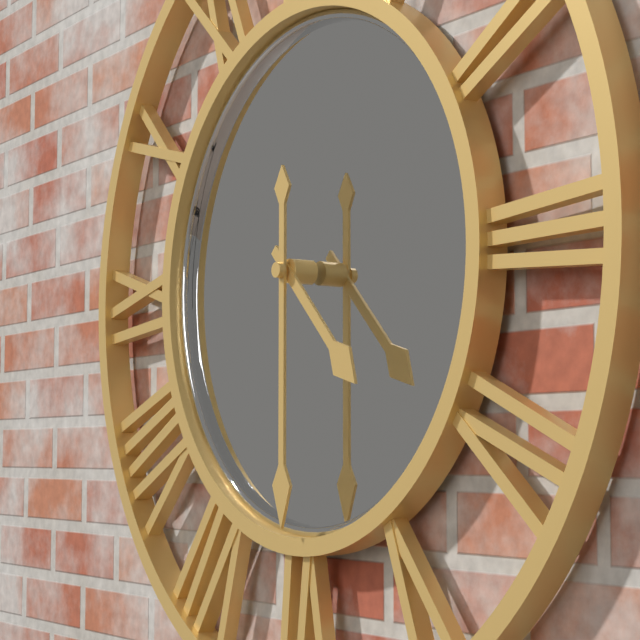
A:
4 h 30 min
